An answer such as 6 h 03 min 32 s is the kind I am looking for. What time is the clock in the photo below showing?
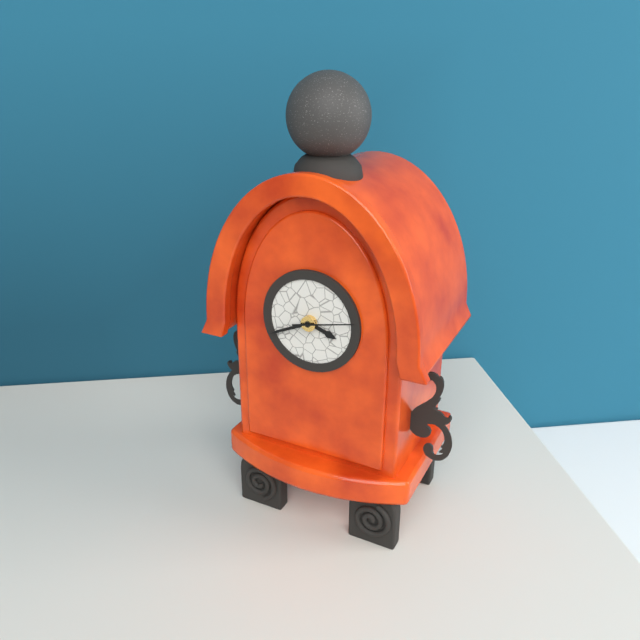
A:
3 h 41 min 13 s
